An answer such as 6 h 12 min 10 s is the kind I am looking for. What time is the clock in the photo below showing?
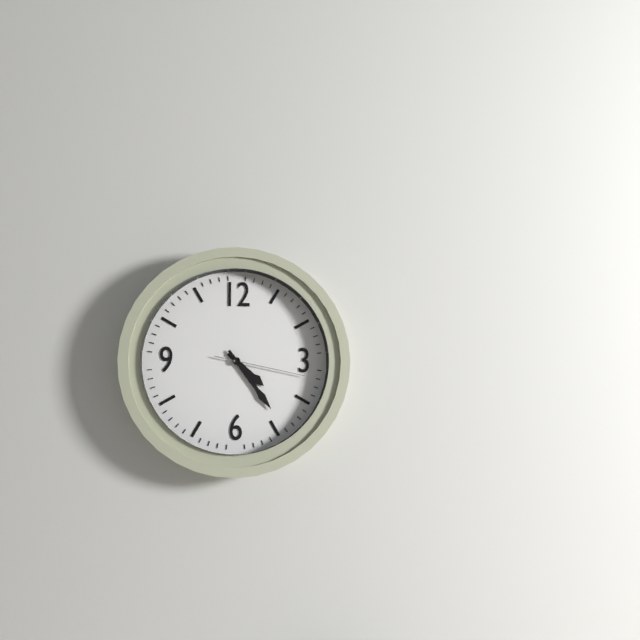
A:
4 h 24 min 17 s
